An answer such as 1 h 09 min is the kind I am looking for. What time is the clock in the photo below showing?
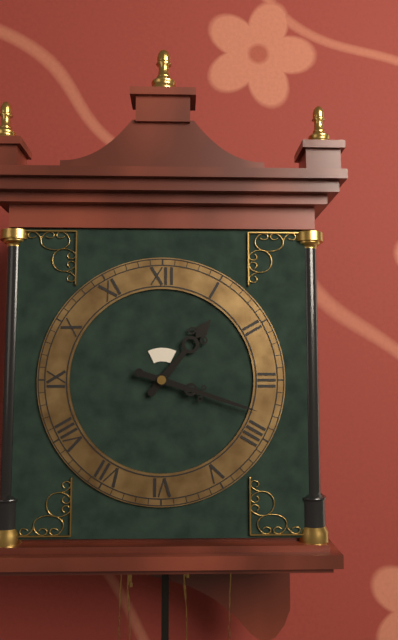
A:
1 h 18 min
